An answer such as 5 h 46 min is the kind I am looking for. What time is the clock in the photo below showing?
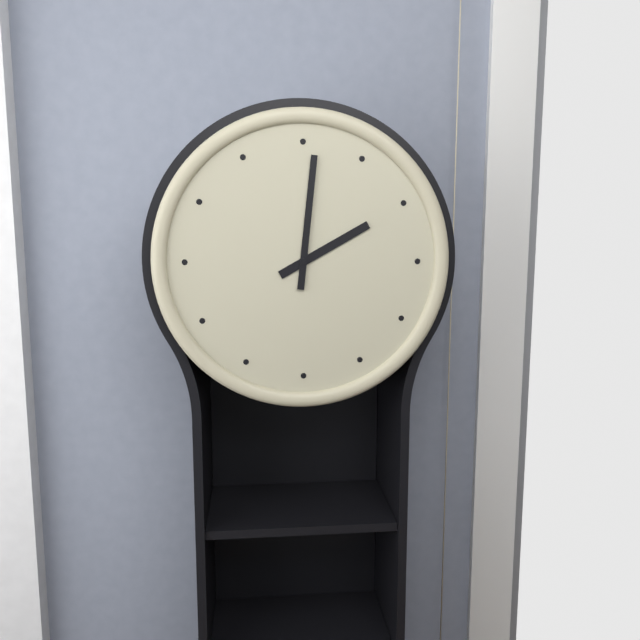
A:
2 h 01 min
